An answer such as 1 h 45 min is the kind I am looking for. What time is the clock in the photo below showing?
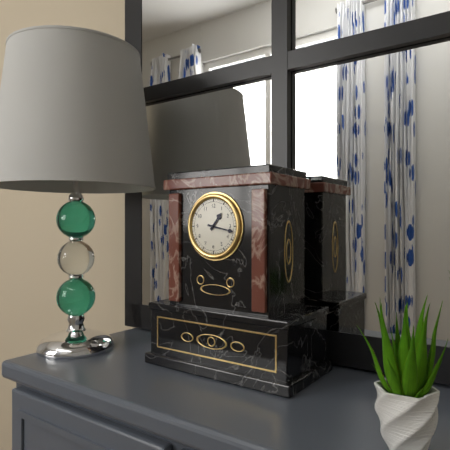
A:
1 h 17 min
